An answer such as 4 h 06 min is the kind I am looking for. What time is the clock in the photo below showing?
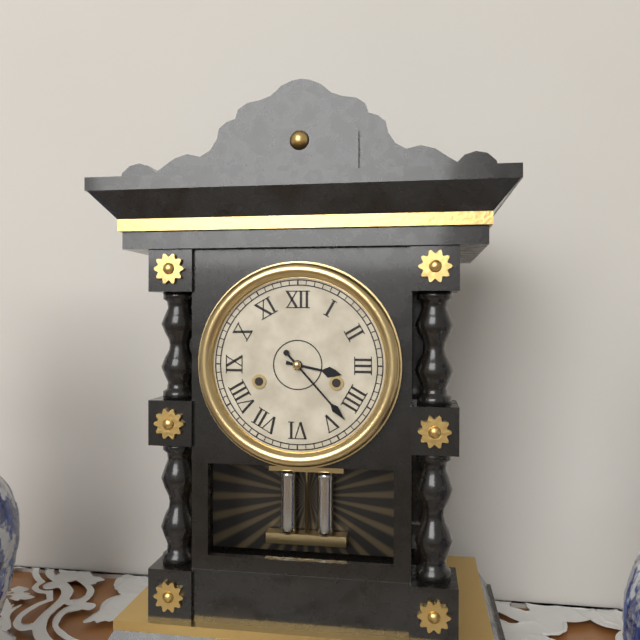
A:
3 h 23 min
